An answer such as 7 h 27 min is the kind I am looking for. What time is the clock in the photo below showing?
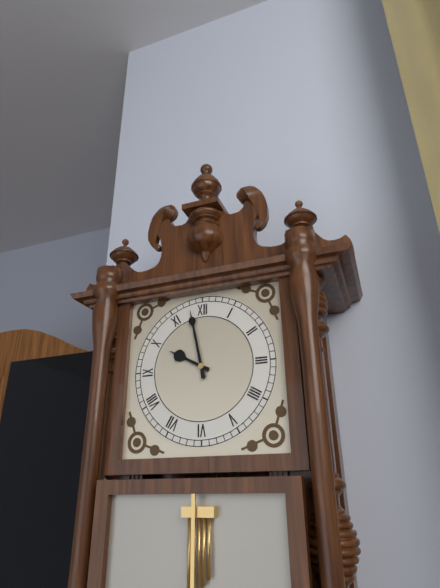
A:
9 h 58 min
